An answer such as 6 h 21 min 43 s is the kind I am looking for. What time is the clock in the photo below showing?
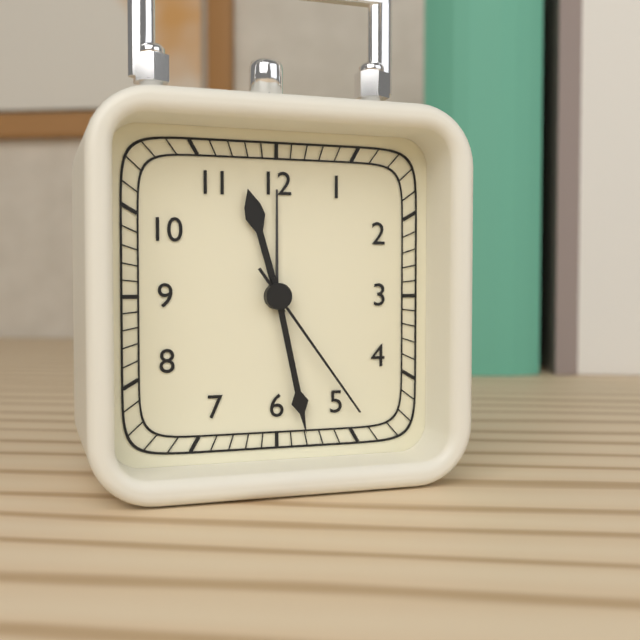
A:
11 h 28 min 24 s
